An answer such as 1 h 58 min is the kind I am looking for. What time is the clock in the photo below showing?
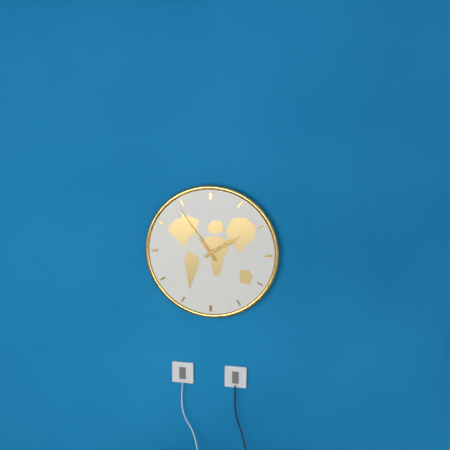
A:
1 h 54 min
